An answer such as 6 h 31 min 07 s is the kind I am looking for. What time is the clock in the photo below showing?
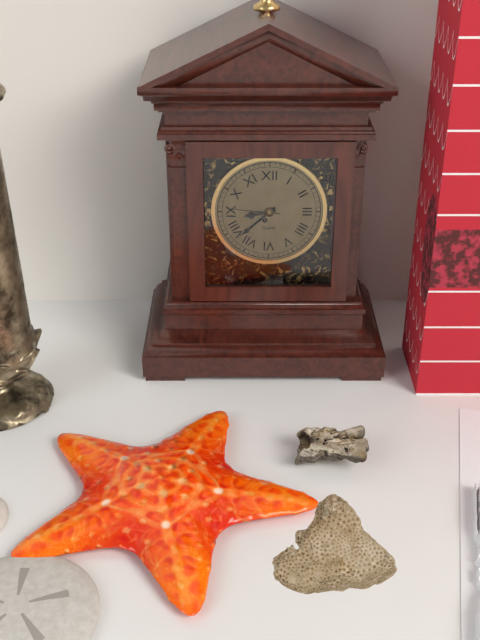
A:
8 h 38 min 46 s
